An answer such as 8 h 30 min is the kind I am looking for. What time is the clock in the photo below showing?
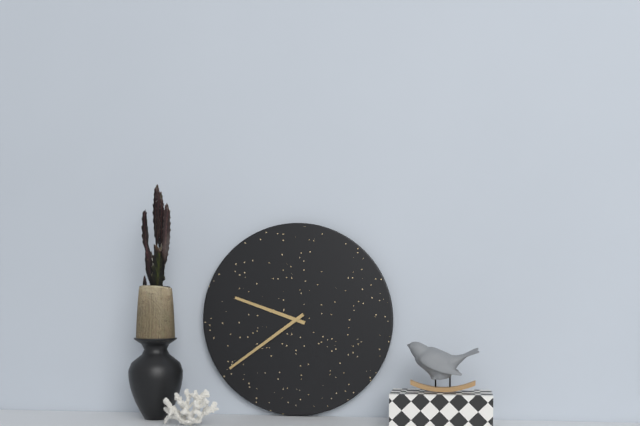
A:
9 h 39 min
